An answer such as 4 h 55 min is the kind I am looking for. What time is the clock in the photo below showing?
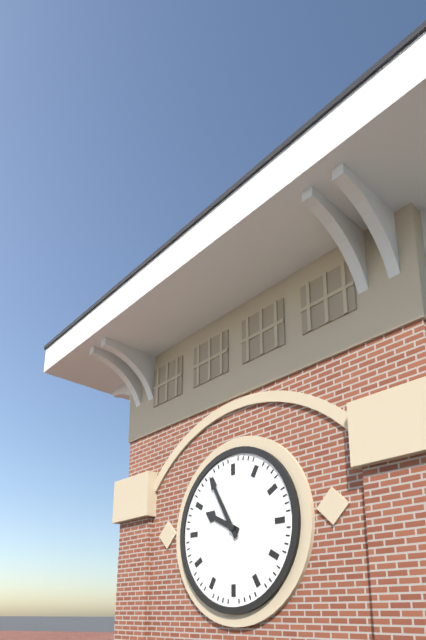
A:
9 h 55 min
